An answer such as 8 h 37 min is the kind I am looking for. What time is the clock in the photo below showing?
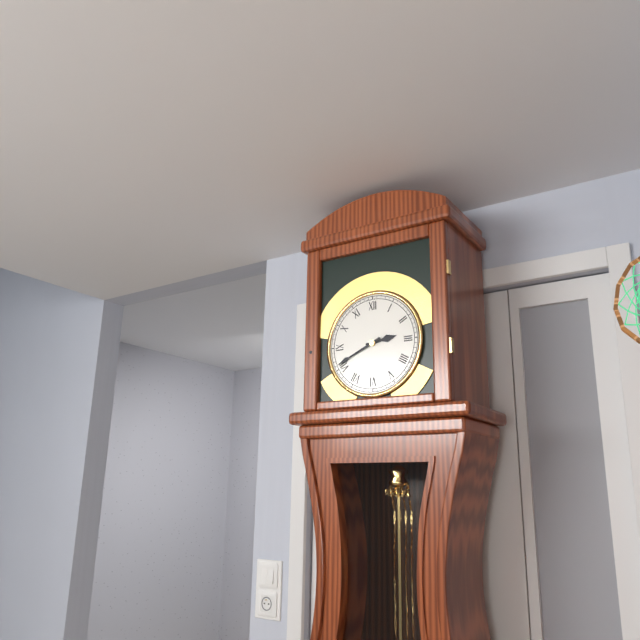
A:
2 h 41 min
